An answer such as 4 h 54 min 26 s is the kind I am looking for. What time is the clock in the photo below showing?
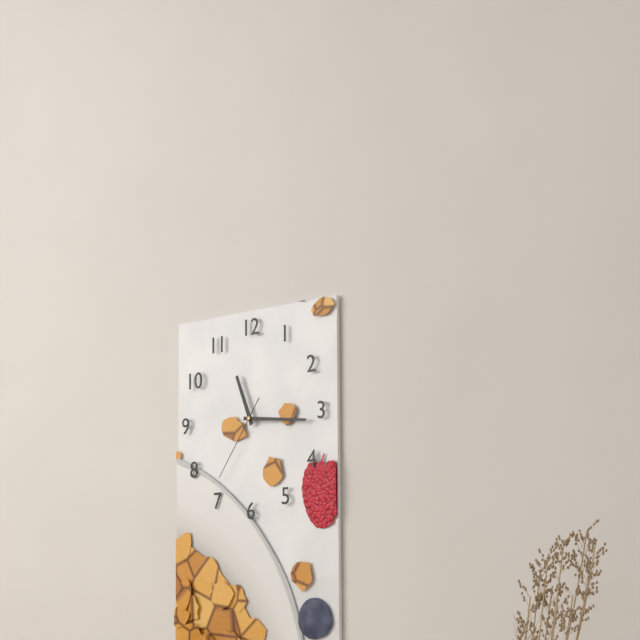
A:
11 h 16 min 36 s
